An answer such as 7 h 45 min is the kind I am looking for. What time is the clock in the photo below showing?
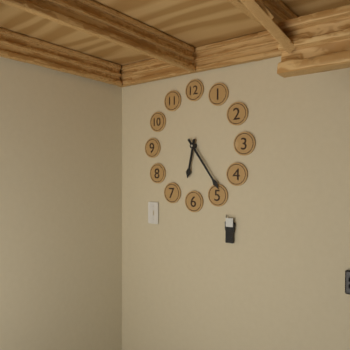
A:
6 h 24 min
